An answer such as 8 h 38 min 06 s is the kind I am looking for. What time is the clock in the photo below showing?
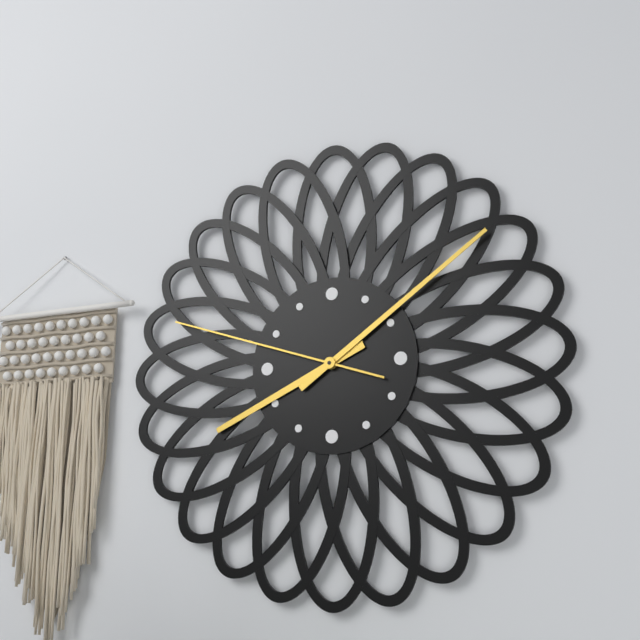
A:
8 h 09 min 48 s
